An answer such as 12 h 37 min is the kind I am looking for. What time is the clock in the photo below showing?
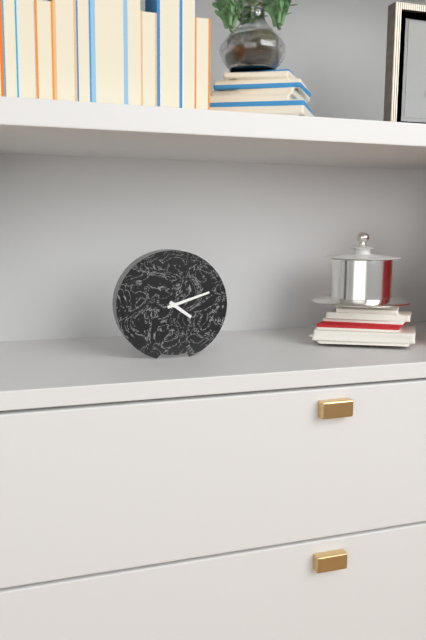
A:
4 h 12 min
